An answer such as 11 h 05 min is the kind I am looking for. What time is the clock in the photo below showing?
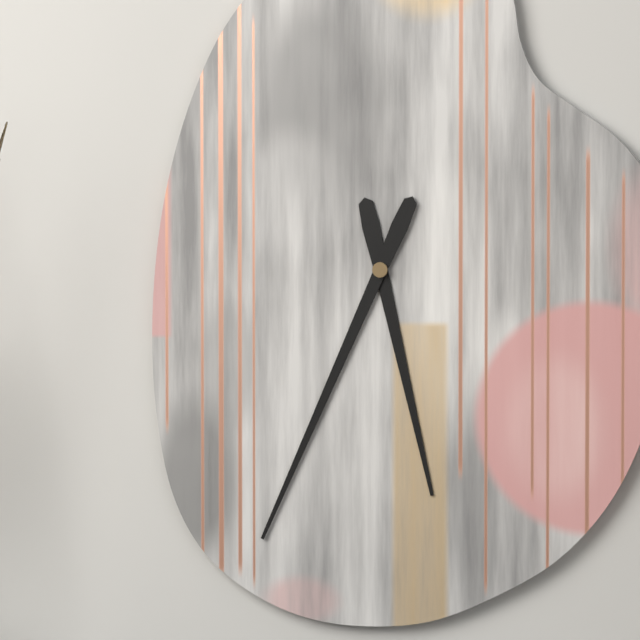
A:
5 h 34 min
